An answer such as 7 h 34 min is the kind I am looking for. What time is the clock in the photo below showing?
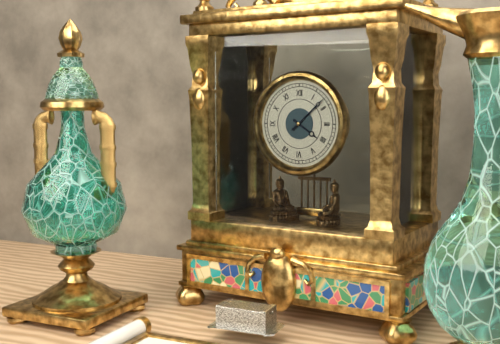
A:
4 h 08 min
